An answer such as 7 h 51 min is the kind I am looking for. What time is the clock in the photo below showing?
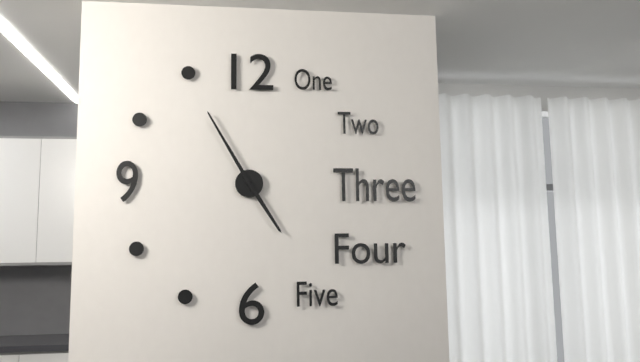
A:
4 h 55 min
